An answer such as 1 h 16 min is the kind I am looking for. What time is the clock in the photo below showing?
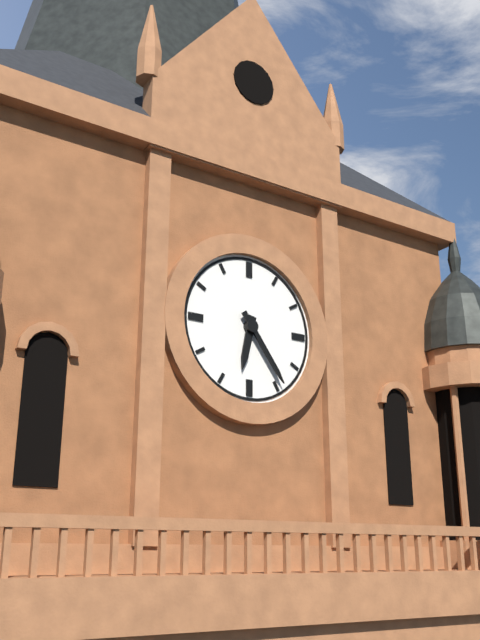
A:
6 h 24 min
